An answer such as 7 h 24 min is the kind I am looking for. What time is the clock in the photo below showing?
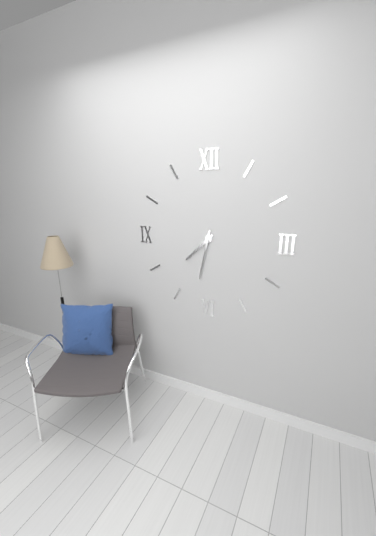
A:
7 h 32 min
